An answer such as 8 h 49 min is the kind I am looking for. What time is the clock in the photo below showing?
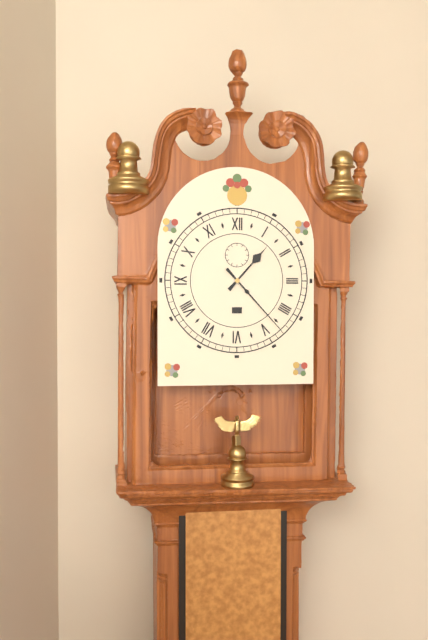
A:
1 h 23 min
